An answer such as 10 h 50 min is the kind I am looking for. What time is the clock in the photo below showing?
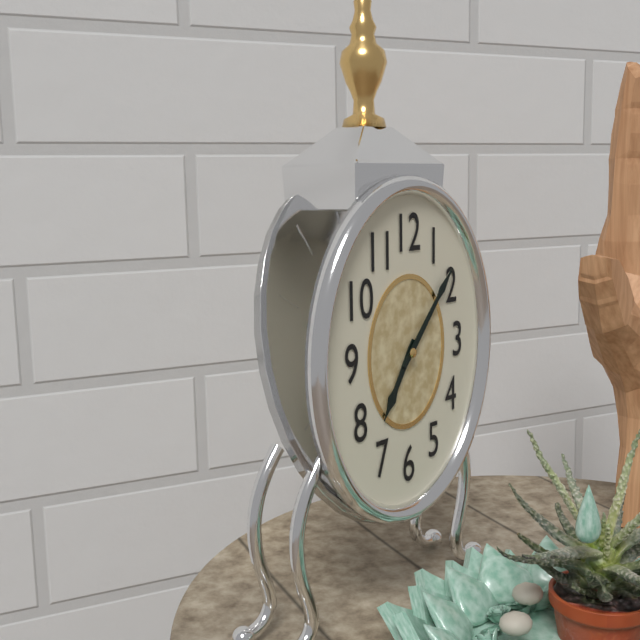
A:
7 h 07 min
